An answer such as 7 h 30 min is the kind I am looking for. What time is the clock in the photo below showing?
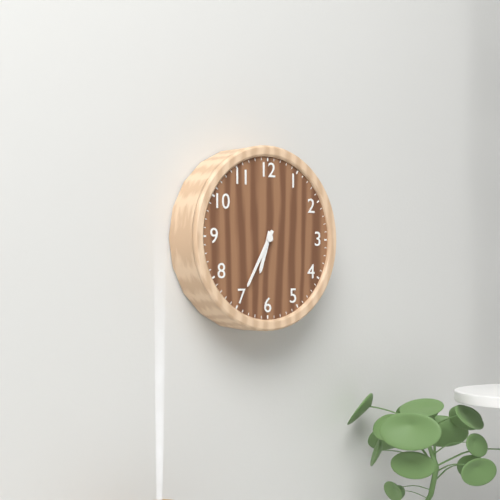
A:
6 h 35 min
